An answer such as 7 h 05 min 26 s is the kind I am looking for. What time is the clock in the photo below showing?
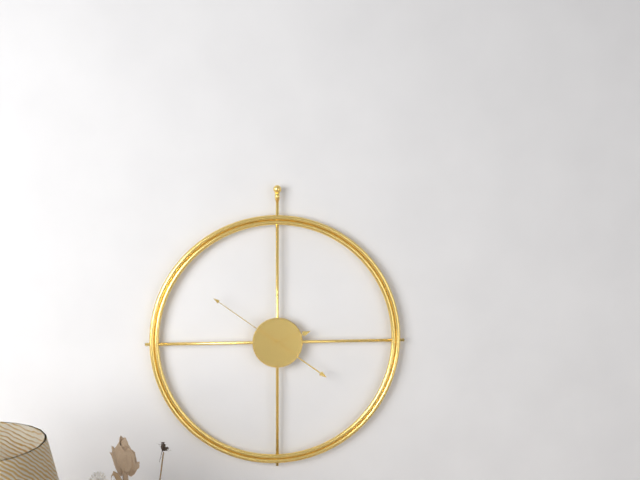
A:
2 h 21 min 51 s
